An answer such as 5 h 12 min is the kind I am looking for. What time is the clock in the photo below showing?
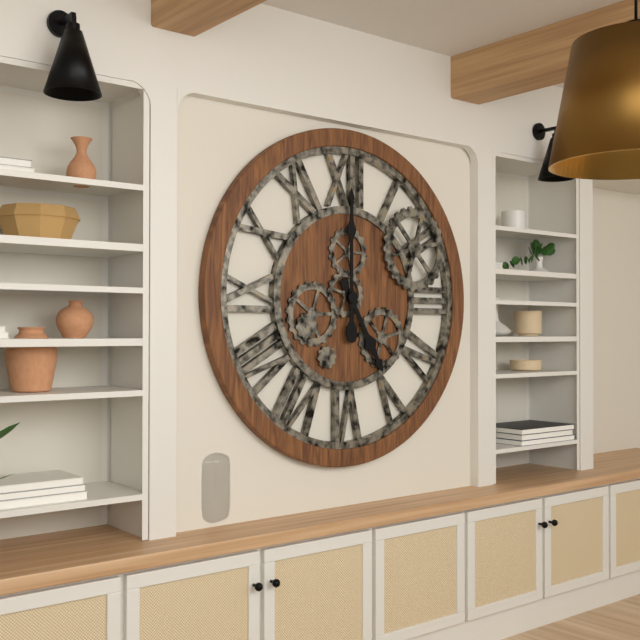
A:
5 h 00 min
